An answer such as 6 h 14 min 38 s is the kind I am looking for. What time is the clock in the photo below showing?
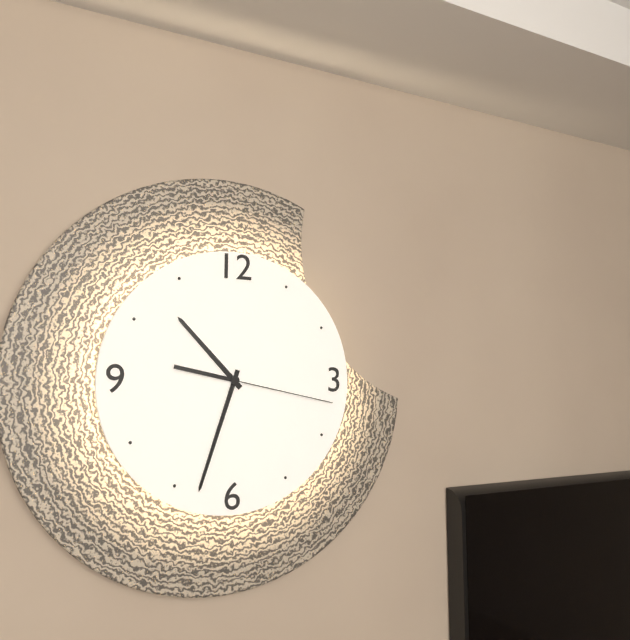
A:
10 h 33 min 17 s
